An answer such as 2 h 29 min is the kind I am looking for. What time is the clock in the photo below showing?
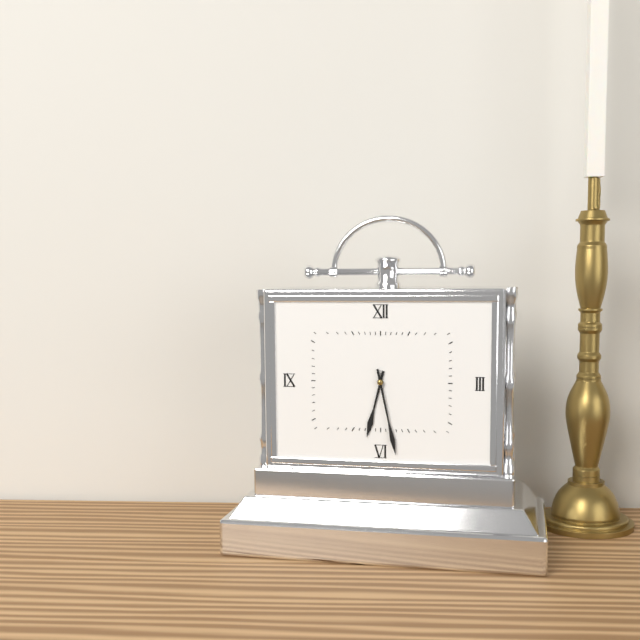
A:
6 h 28 min
